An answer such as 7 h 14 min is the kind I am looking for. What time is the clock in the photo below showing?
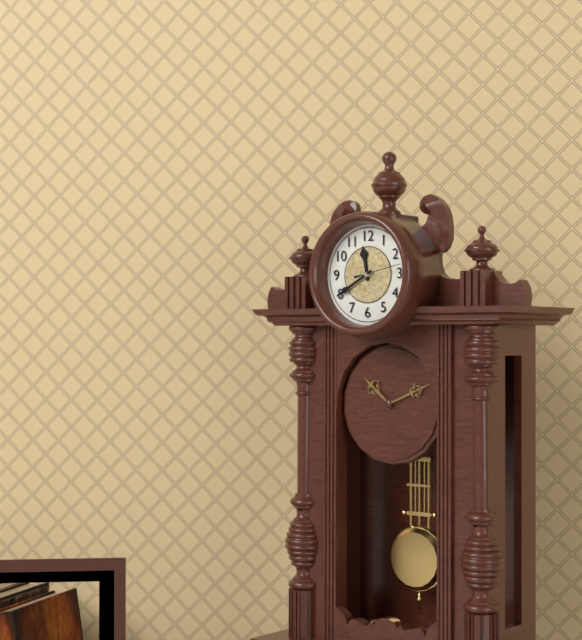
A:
11 h 40 min
